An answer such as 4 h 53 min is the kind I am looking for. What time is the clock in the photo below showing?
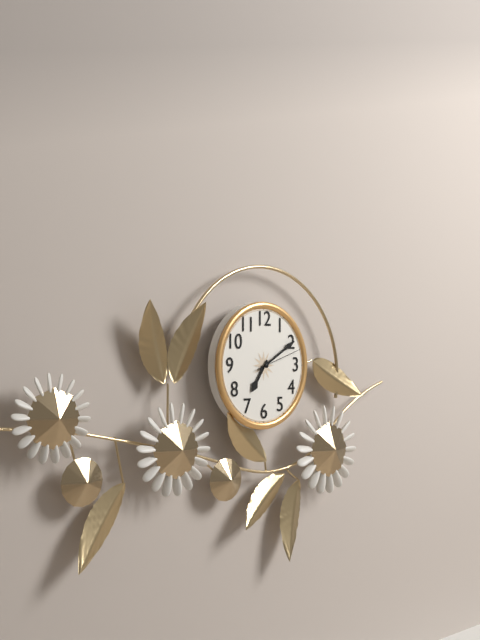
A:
7 h 10 min
